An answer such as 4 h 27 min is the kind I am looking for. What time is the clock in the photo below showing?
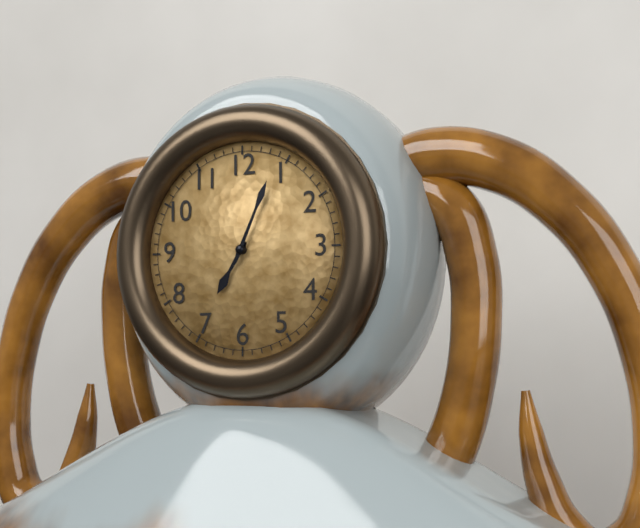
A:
7 h 04 min
